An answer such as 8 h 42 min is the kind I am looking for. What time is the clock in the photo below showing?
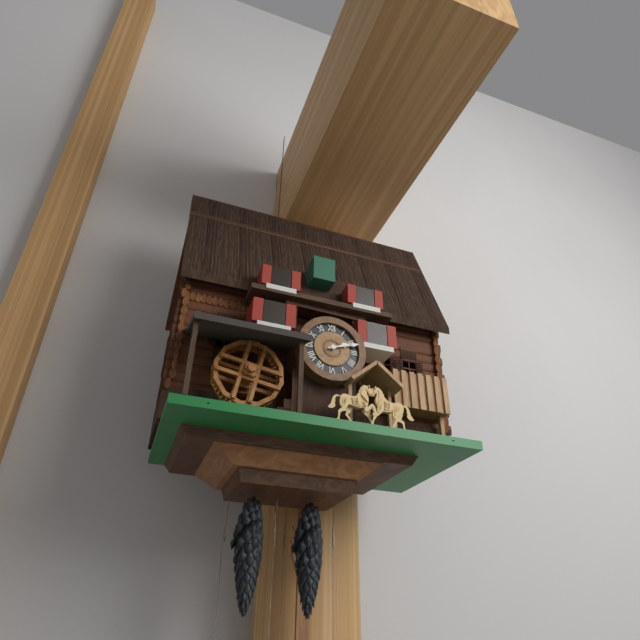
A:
2 h 12 min
